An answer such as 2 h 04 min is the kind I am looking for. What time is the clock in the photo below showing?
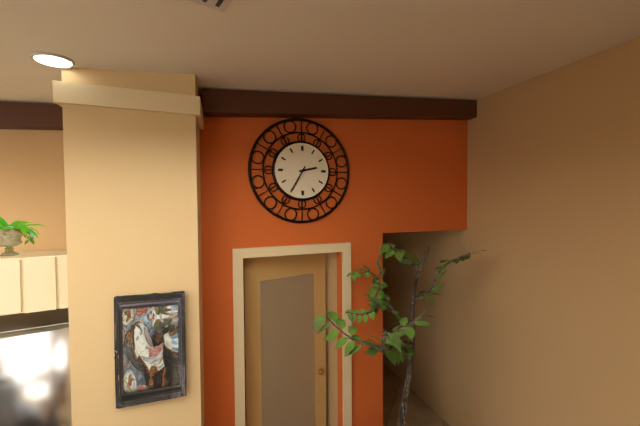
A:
2 h 35 min
